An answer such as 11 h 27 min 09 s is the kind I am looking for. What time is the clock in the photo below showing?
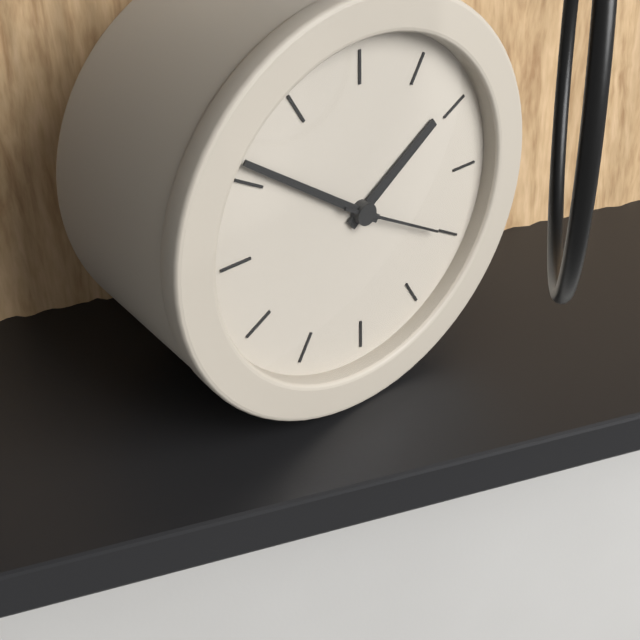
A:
1 h 51 min 20 s
